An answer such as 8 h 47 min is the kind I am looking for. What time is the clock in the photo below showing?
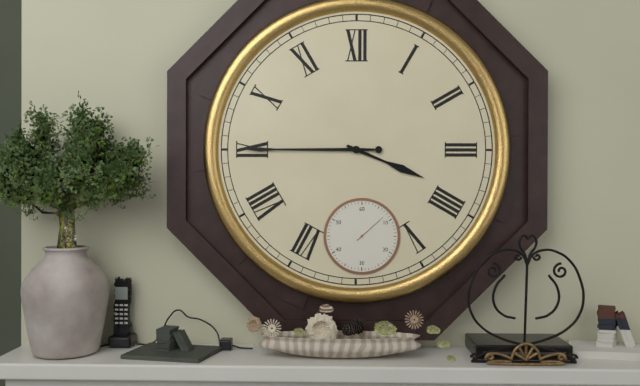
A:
3 h 45 min
